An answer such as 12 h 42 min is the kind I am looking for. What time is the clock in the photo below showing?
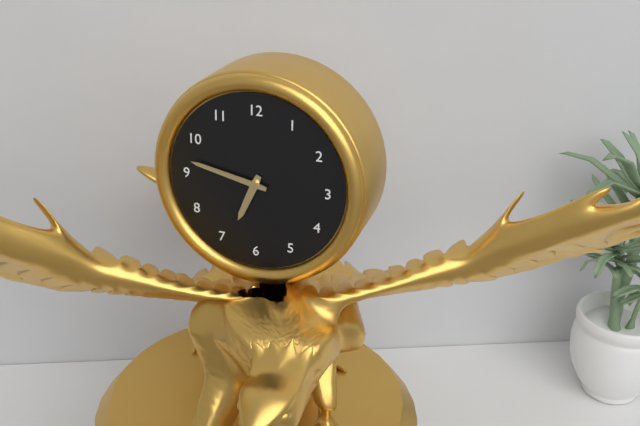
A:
6 h 47 min
